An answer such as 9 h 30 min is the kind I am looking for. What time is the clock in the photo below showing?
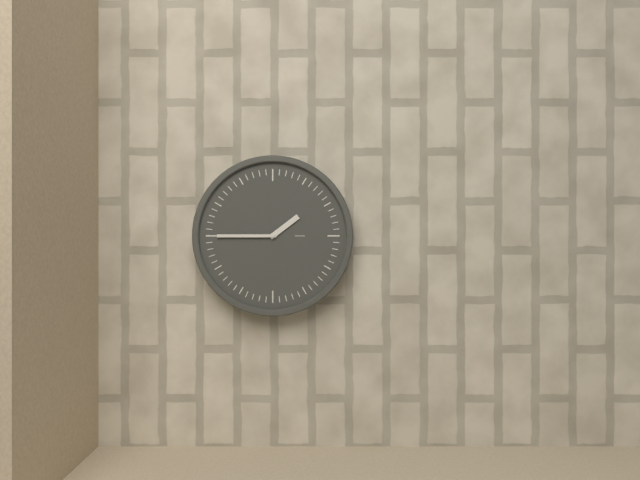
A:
1 h 45 min
